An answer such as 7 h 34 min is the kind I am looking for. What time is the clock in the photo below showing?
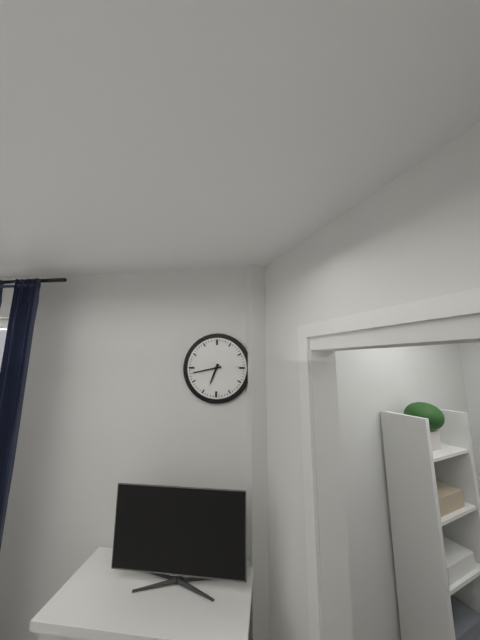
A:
6 h 43 min
